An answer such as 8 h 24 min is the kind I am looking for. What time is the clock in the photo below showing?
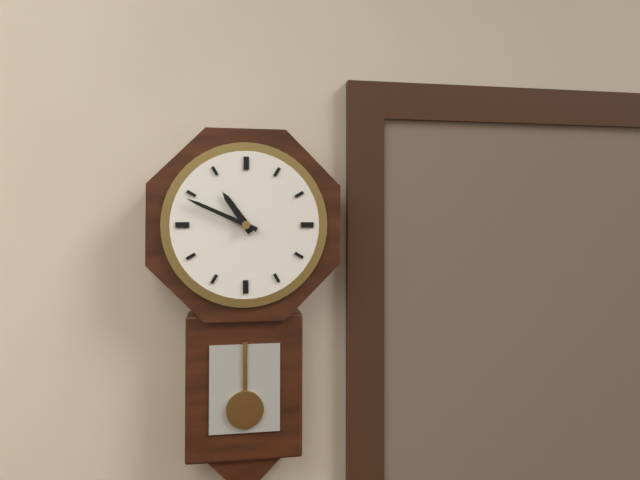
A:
10 h 49 min
